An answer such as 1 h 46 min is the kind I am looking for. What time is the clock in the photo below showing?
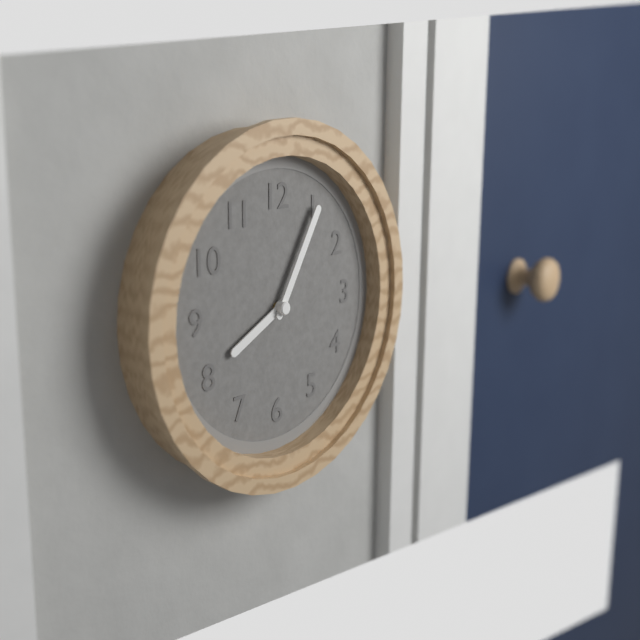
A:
8 h 05 min
